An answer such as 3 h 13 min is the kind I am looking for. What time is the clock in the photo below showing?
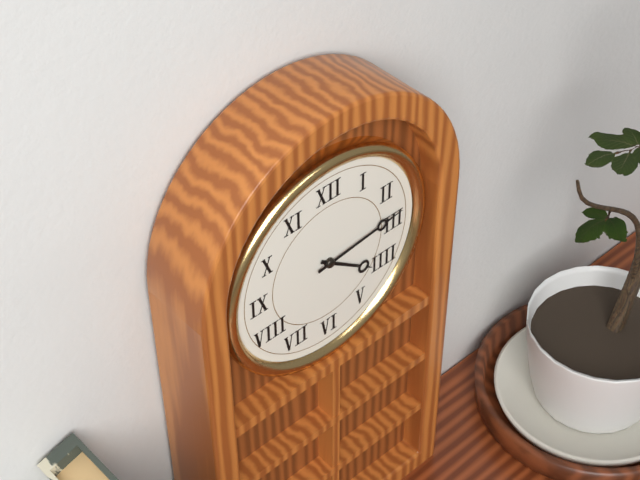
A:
4 h 14 min
